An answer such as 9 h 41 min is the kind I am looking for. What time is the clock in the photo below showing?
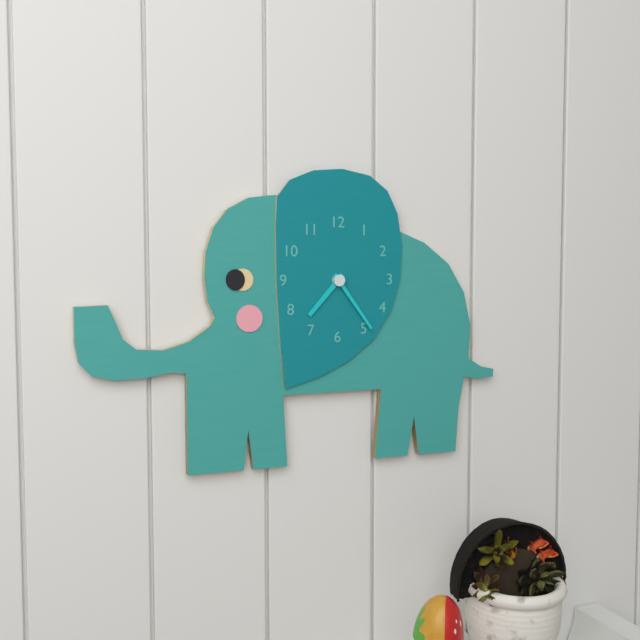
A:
7 h 24 min
